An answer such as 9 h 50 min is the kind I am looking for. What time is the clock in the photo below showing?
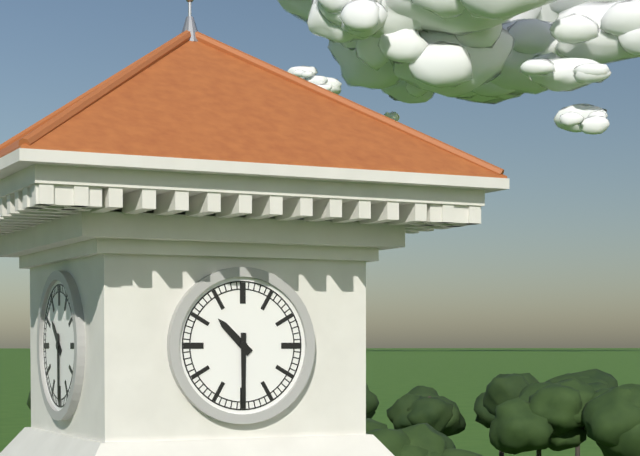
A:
10 h 30 min
